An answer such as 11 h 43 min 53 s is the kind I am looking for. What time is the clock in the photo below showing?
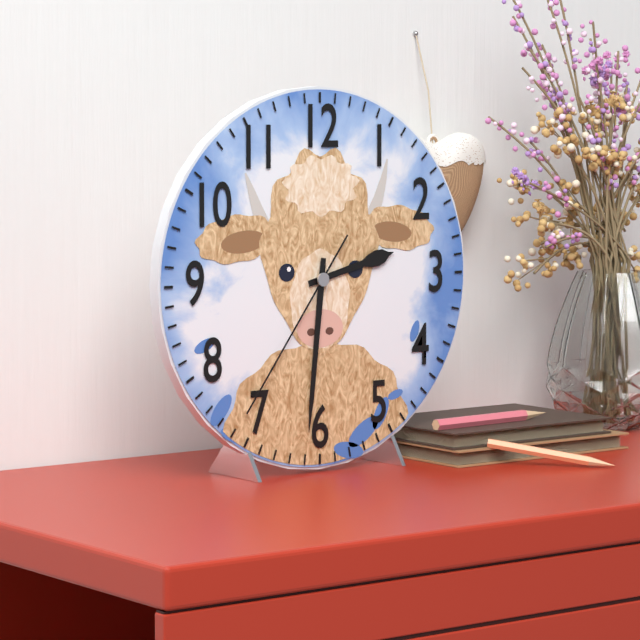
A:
2 h 31 min 36 s
